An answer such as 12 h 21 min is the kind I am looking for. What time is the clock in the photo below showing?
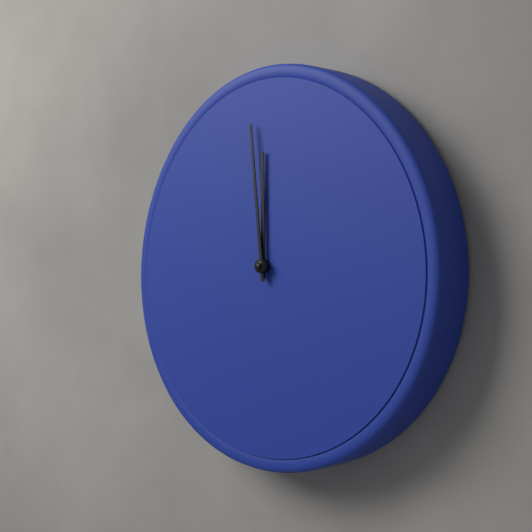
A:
11 h 59 min
